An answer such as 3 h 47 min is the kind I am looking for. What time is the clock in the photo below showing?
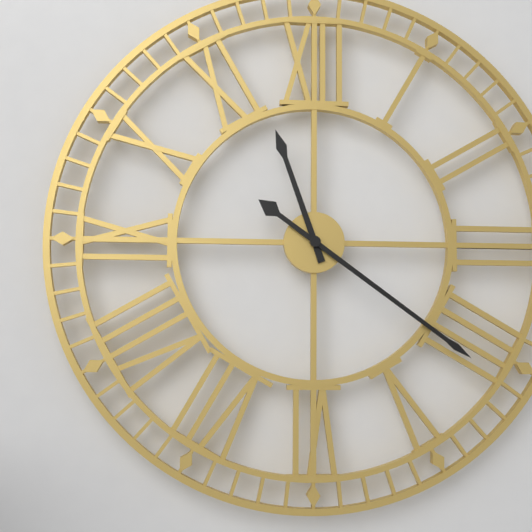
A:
11 h 21 min
